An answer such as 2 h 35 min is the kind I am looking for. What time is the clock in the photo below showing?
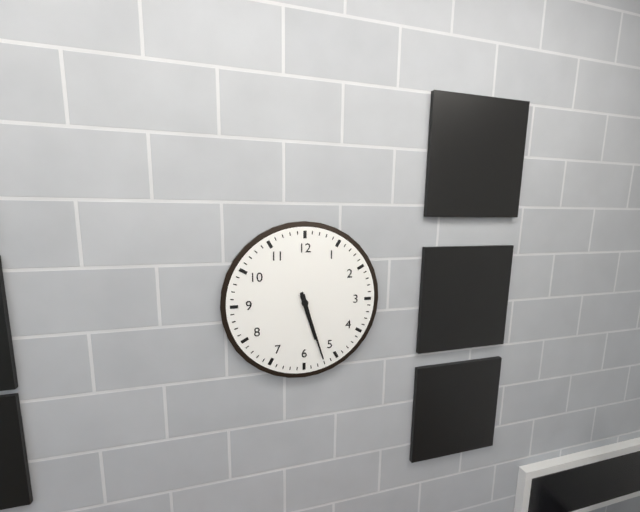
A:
5 h 27 min
